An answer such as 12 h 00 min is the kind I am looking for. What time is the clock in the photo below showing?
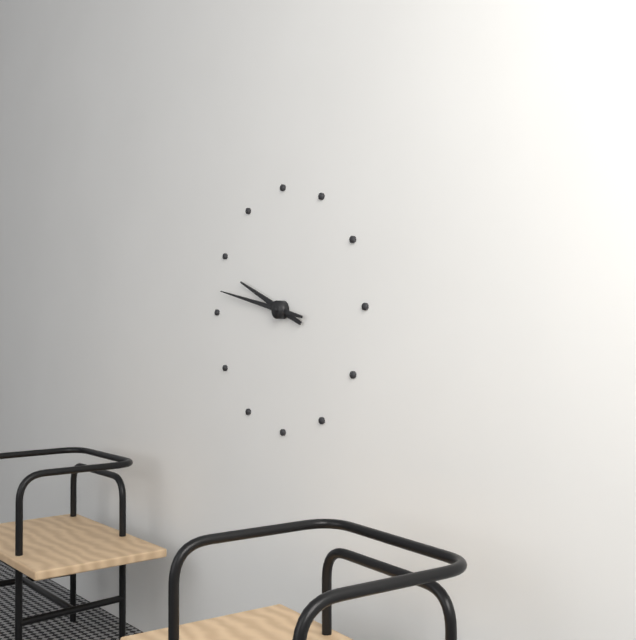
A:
9 h 47 min
